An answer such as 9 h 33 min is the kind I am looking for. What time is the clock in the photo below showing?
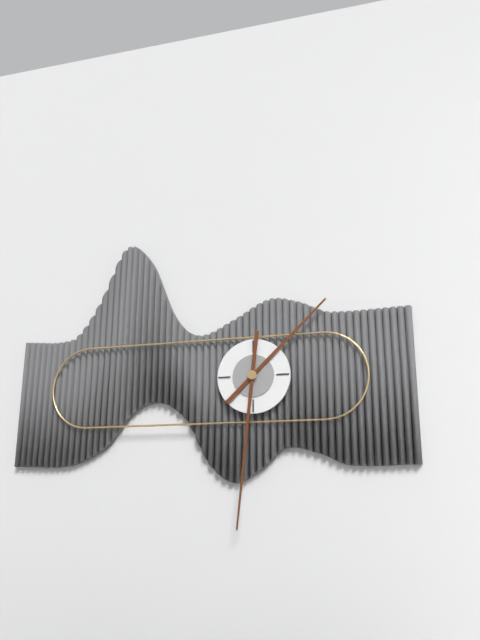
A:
1 h 31 min
